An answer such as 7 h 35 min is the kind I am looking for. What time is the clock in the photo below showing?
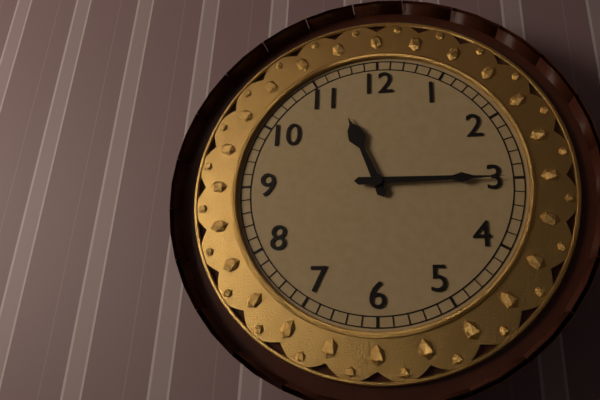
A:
11 h 15 min
